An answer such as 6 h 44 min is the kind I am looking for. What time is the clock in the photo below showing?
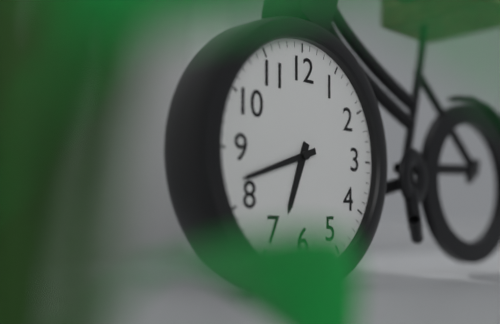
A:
6 h 42 min
